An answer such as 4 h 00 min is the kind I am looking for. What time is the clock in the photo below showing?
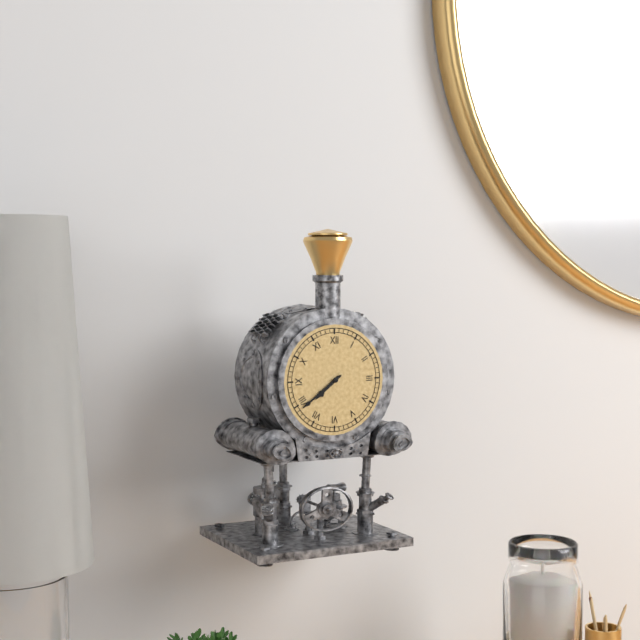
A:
7 h 39 min
